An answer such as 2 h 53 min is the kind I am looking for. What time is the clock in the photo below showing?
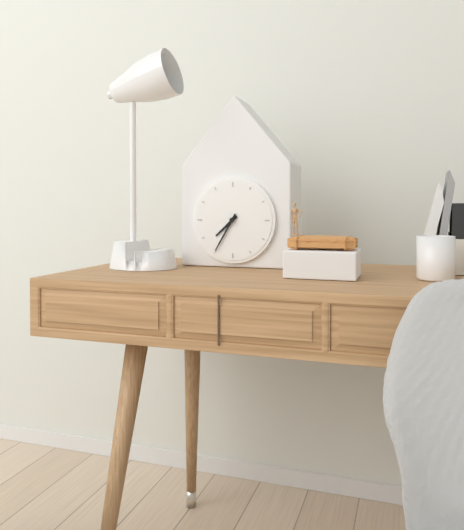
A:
7 h 35 min
